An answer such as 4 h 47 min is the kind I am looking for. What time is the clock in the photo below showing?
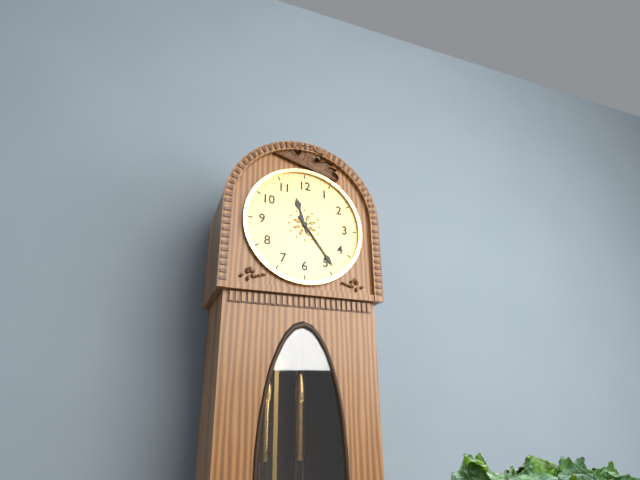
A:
11 h 24 min
